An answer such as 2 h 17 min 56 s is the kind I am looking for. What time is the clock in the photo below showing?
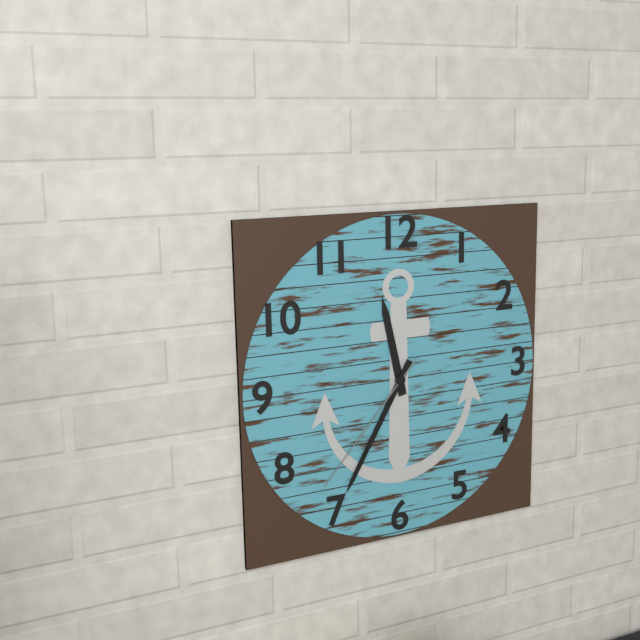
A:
11 h 35 min 37 s
